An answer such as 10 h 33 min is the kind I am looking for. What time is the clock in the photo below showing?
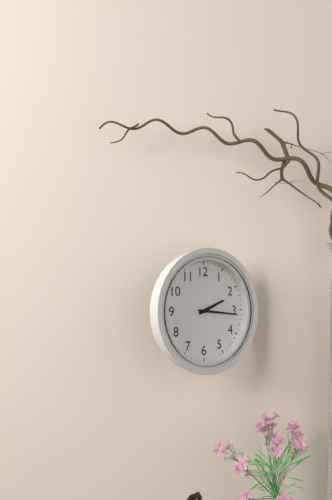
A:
2 h 16 min
